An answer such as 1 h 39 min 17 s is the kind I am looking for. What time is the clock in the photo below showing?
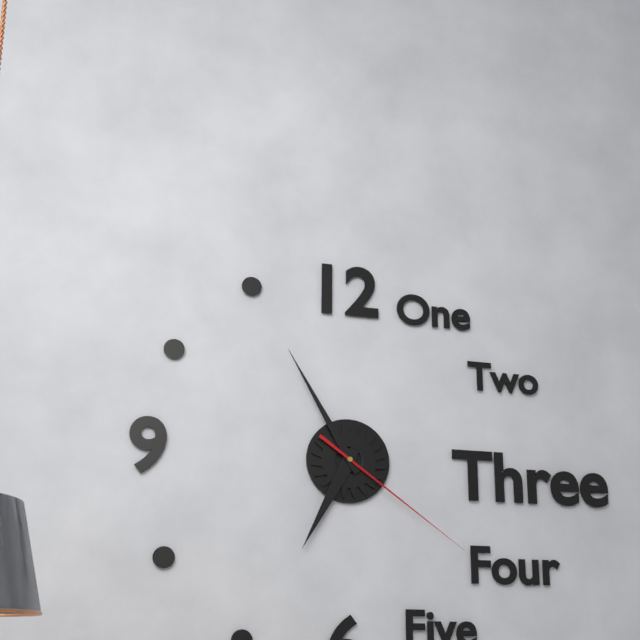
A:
6 h 55 min 21 s
